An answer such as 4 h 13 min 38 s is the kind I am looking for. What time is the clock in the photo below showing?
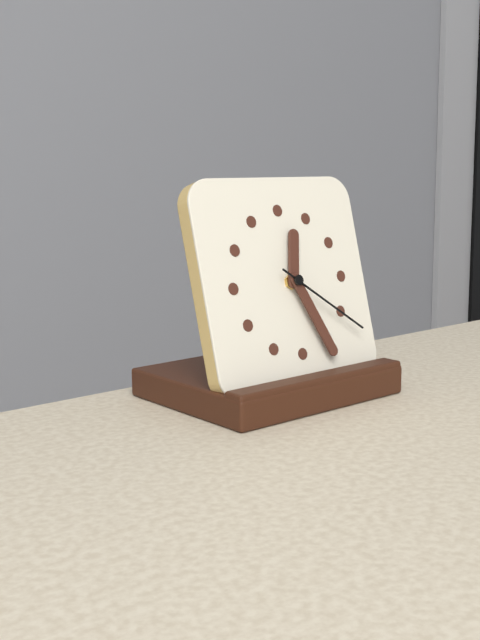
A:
12 h 26 min 21 s
